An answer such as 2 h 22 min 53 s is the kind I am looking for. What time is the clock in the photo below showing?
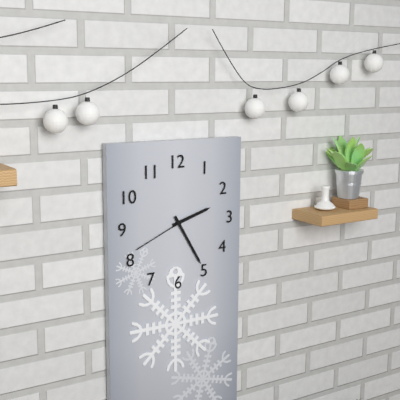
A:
2 h 25 min 41 s
